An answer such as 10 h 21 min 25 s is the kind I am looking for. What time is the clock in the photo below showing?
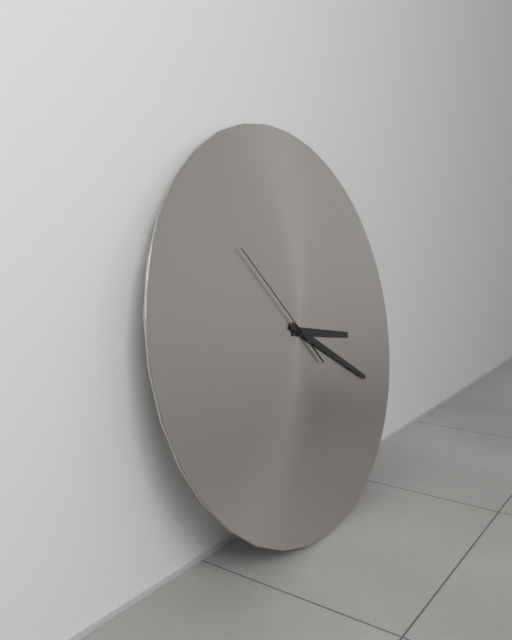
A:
3 h 20 min 53 s
